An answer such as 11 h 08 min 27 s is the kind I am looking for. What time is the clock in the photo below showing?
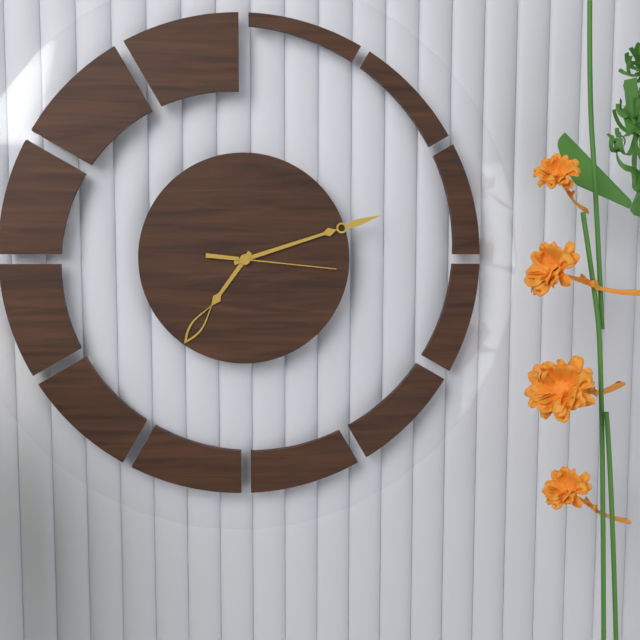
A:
7 h 12 min 16 s
